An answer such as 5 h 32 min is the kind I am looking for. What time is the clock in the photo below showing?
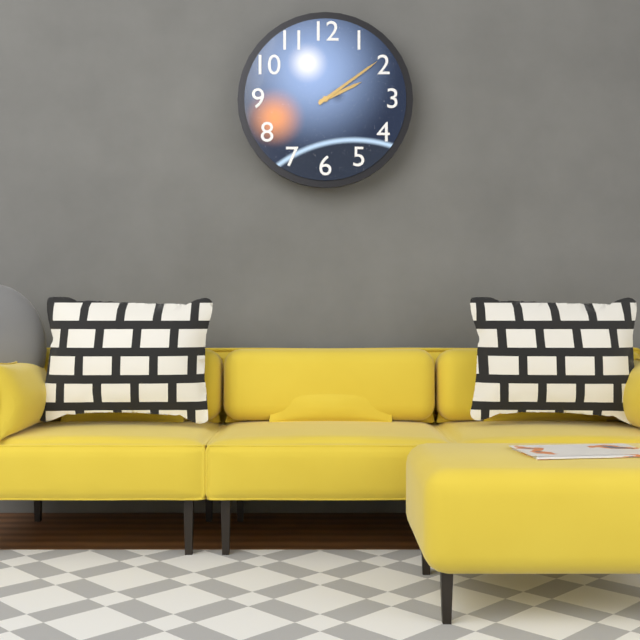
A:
2 h 09 min
